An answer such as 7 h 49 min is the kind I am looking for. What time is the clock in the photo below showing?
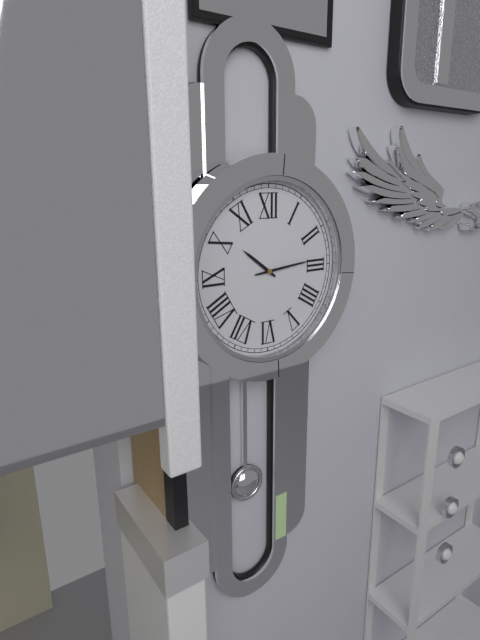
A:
10 h 14 min
